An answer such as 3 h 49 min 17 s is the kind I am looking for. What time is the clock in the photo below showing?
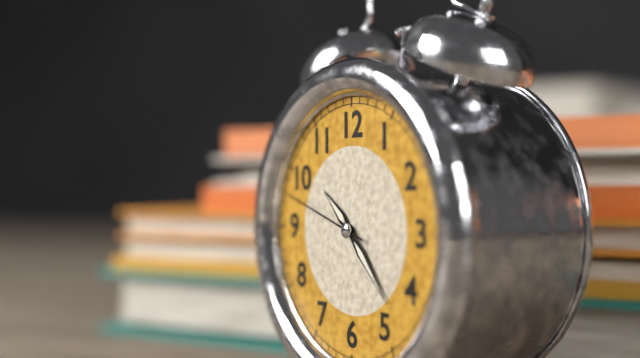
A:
10 h 23 min 48 s
